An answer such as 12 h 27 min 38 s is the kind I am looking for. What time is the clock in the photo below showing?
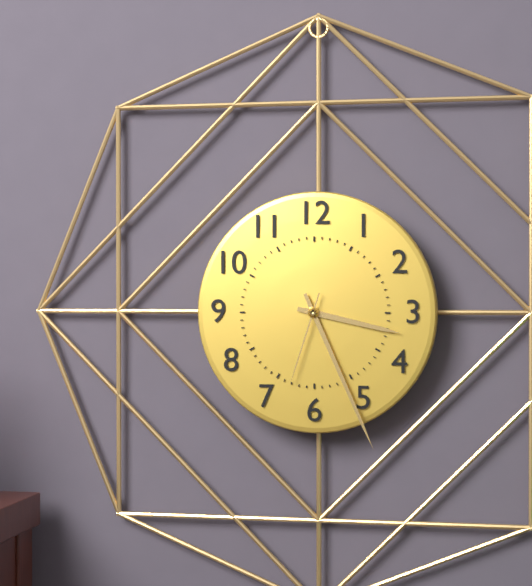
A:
3 h 26 min 33 s
